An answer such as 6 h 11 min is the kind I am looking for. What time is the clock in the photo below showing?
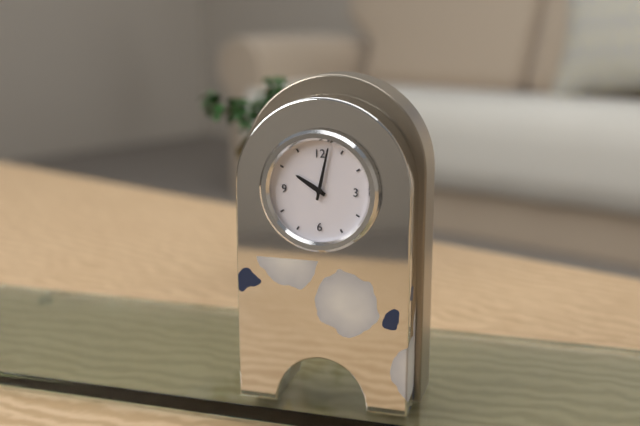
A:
10 h 02 min
